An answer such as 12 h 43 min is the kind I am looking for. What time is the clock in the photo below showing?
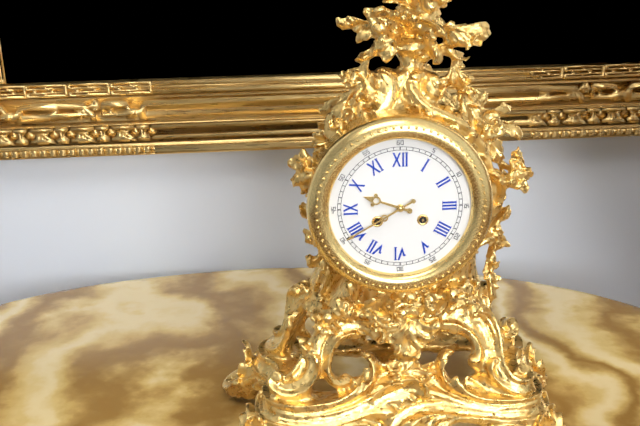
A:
9 h 40 min
